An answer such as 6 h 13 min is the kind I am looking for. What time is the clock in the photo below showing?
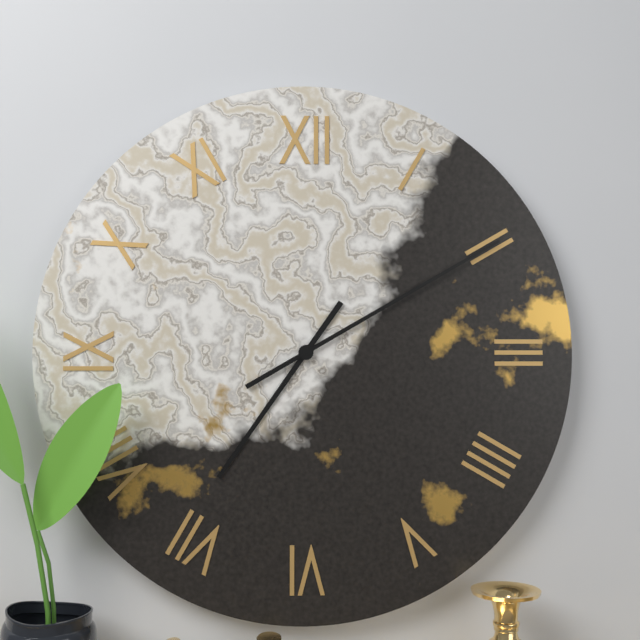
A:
7 h 10 min
